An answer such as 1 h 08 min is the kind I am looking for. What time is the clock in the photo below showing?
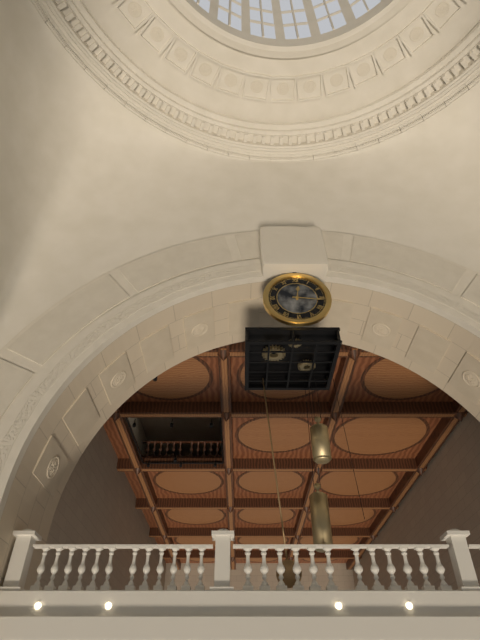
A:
12 h 16 min
